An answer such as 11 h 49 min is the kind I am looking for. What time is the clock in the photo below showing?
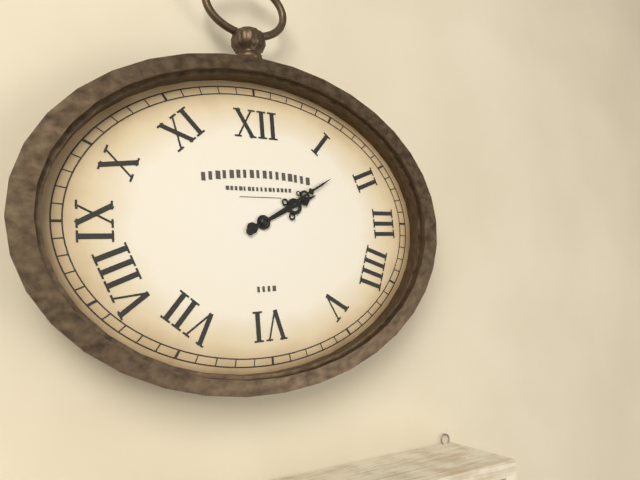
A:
2 h 10 min
